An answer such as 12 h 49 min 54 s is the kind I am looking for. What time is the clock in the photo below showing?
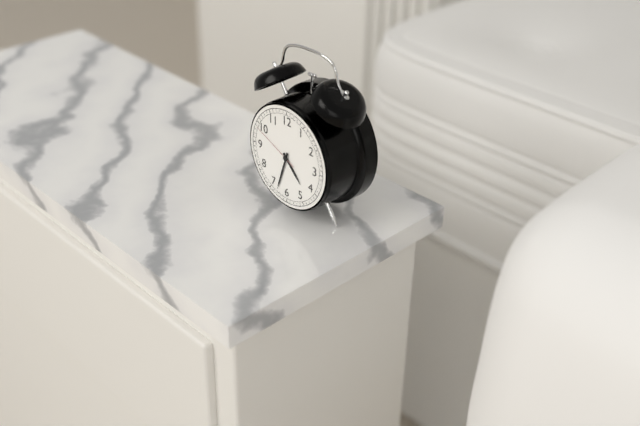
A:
4 h 33 min 49 s
